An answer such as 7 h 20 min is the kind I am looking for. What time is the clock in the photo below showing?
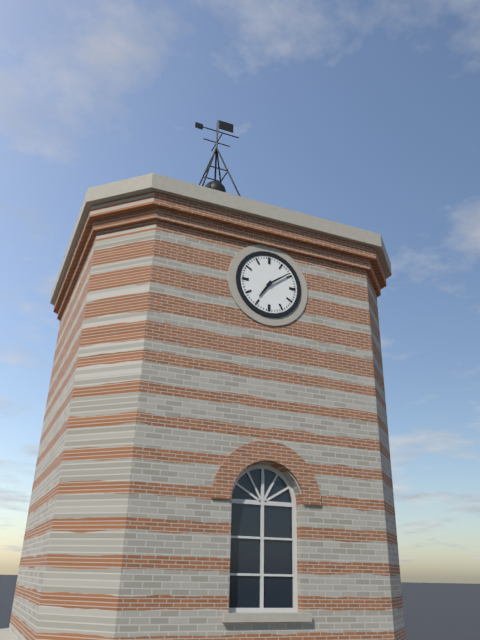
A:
7 h 09 min
